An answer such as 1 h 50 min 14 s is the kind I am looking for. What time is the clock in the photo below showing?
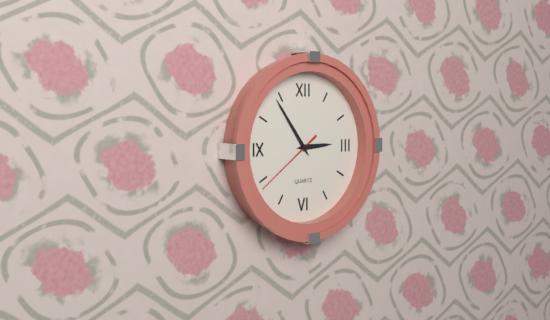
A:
2 h 54 min 39 s
